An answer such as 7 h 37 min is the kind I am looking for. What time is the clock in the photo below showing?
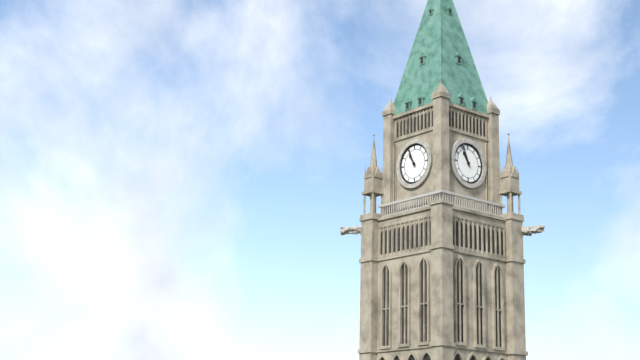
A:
10 h 56 min
